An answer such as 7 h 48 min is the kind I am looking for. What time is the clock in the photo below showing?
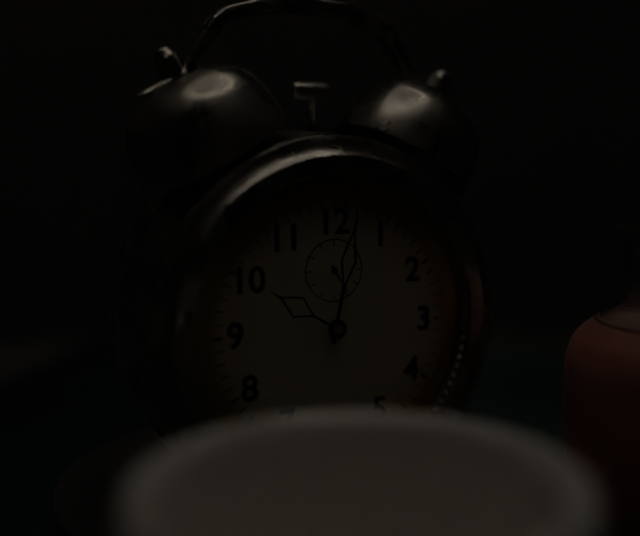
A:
10 h 02 min
